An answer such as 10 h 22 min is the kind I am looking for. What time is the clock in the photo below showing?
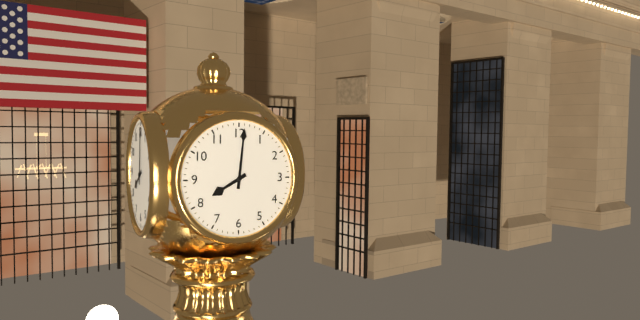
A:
8 h 01 min
